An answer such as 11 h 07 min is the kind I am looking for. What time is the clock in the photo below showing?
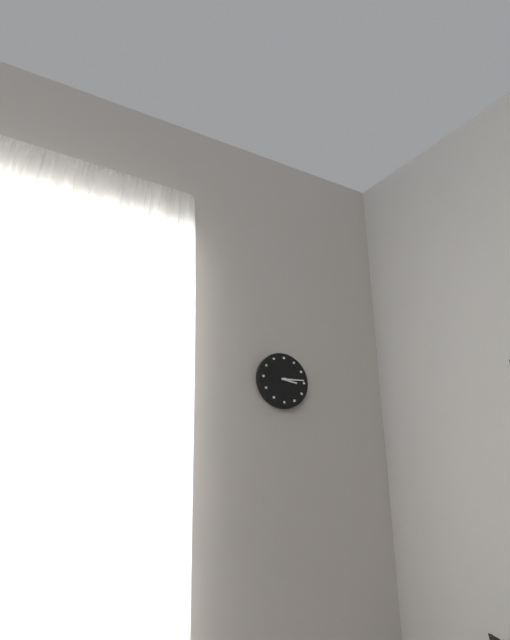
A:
3 h 14 min
